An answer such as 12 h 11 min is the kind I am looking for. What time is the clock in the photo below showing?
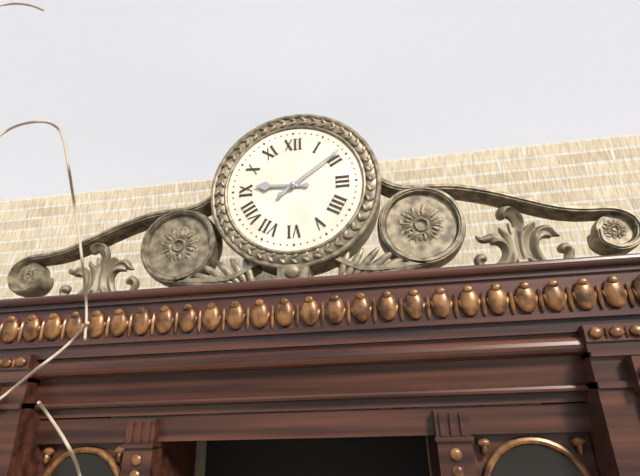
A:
9 h 09 min
